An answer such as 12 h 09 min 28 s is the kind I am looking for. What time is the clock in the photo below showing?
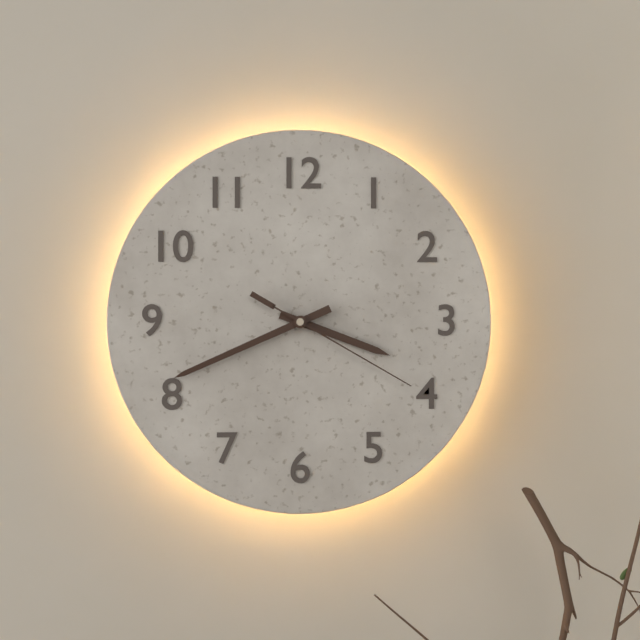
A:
3 h 41 min 20 s
